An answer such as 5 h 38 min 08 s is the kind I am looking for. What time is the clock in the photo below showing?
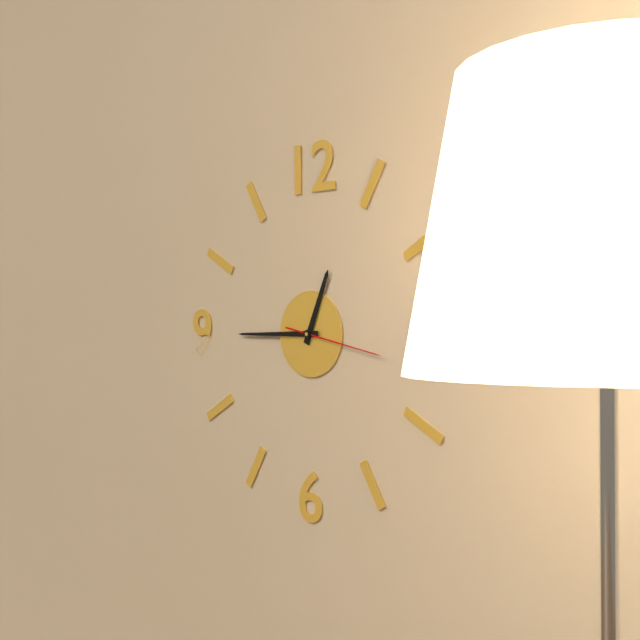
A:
12 h 45 min 17 s
